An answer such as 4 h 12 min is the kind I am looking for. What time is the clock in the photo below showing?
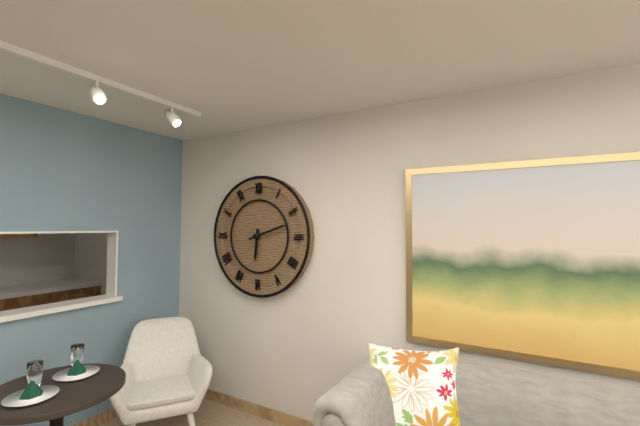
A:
6 h 12 min
